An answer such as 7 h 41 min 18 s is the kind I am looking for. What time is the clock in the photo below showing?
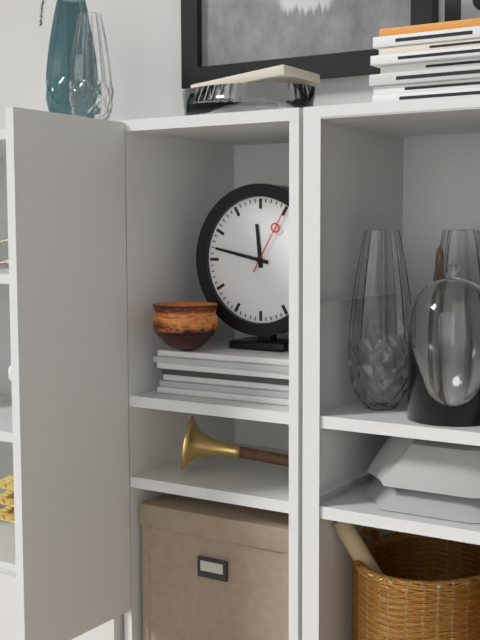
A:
11 h 47 min 05 s
